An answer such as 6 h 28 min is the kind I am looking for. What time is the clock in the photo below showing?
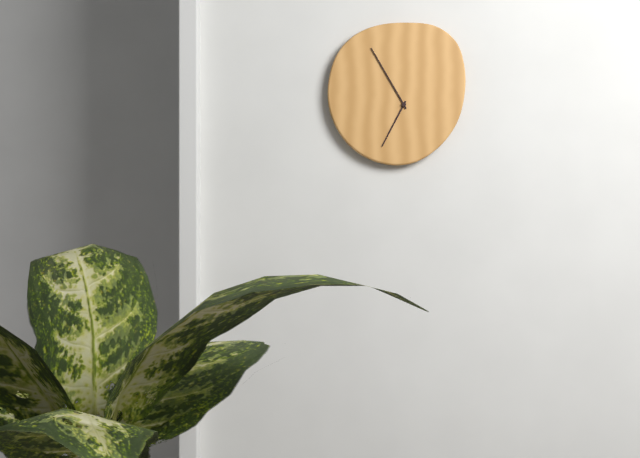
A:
6 h 55 min
